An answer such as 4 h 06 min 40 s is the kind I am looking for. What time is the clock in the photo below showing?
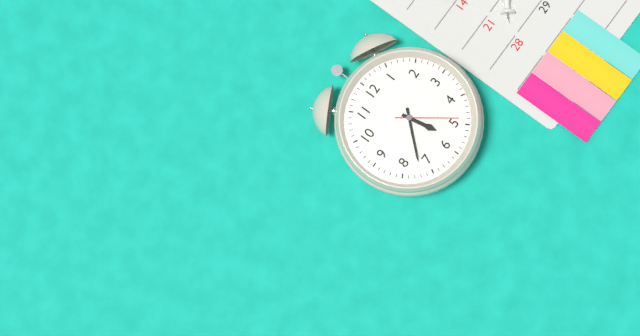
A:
5 h 37 min 24 s
